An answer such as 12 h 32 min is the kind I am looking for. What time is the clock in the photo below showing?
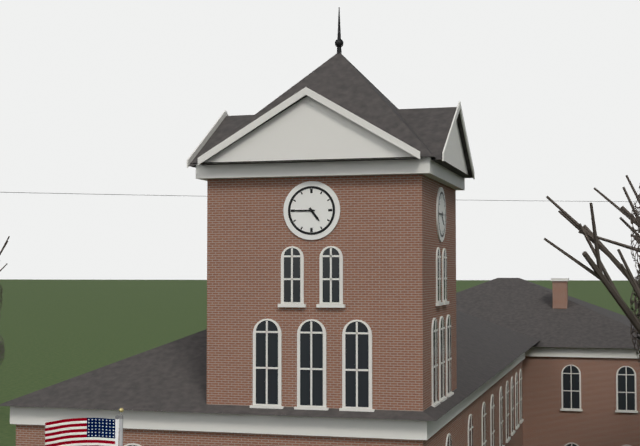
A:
4 h 45 min
